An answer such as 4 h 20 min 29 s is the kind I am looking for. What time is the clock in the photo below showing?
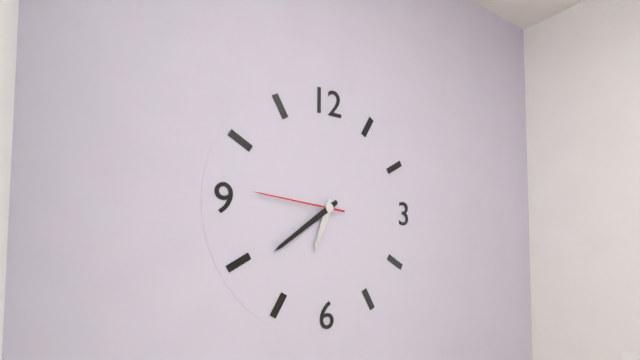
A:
6 h 39 min 46 s
